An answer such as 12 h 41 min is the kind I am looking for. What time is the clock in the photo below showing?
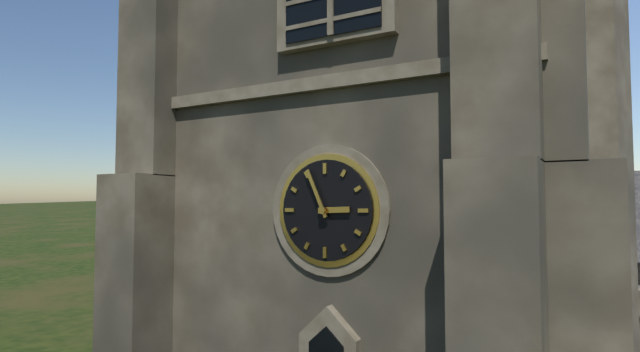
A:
2 h 56 min
